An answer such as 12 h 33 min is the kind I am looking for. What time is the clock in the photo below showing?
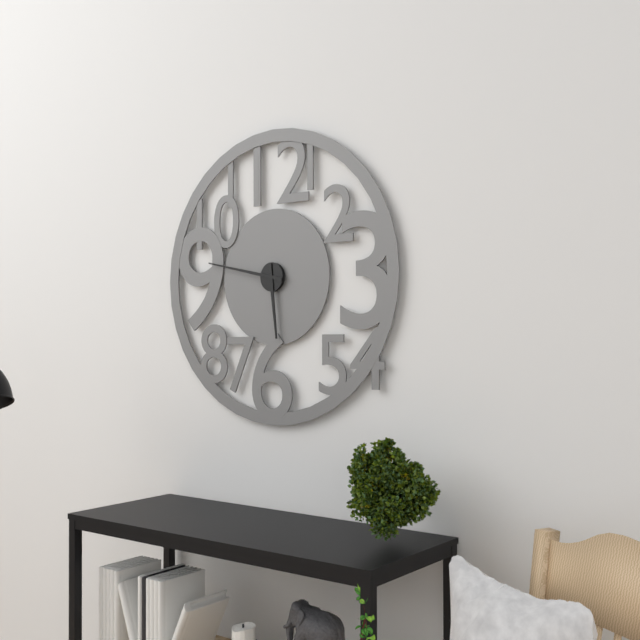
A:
5 h 47 min
